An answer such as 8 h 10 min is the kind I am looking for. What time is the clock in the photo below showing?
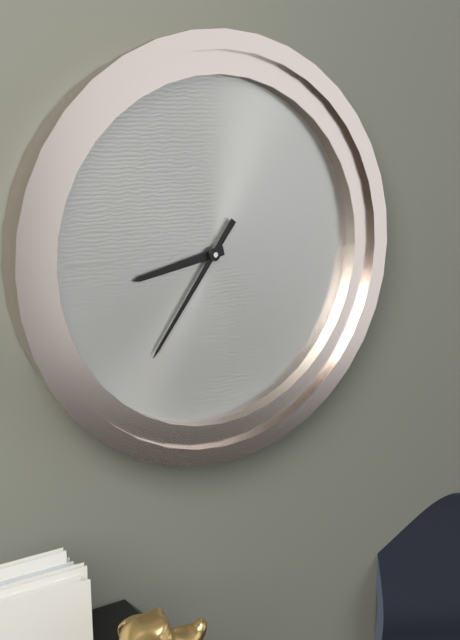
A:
8 h 36 min
